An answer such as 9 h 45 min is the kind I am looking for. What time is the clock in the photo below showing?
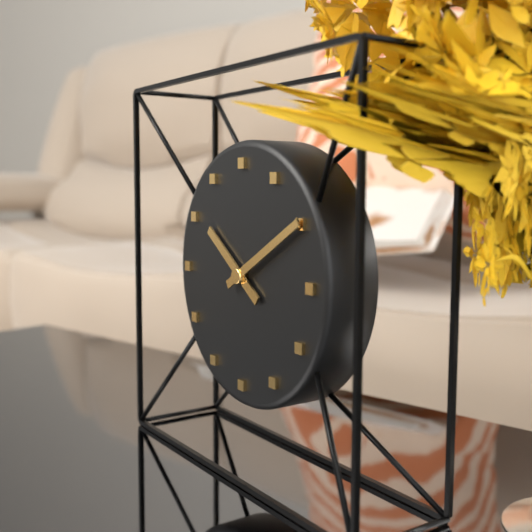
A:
10 h 10 min
